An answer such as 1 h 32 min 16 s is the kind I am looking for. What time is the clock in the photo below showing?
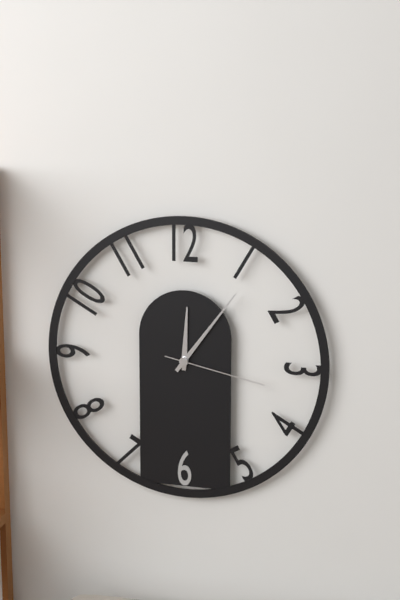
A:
12 h 06 min 17 s
